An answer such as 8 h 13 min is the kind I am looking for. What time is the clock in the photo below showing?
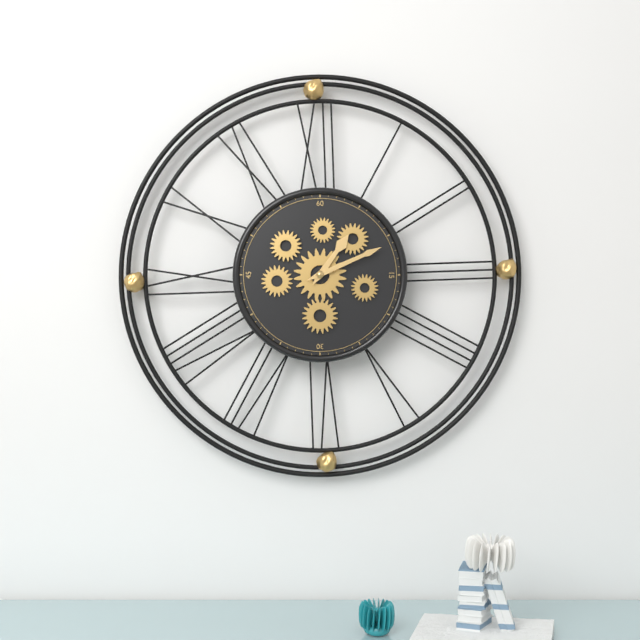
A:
1 h 11 min
